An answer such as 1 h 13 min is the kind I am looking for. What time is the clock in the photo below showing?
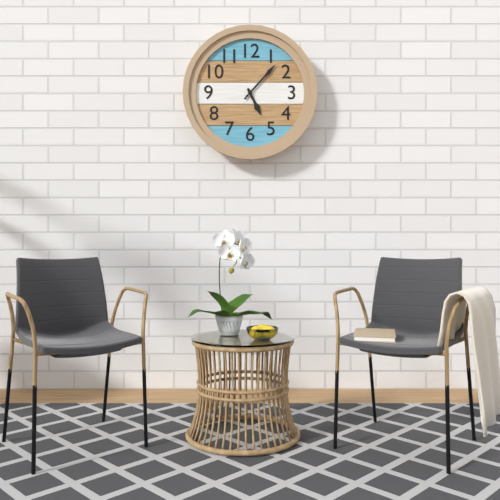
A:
5 h 07 min
